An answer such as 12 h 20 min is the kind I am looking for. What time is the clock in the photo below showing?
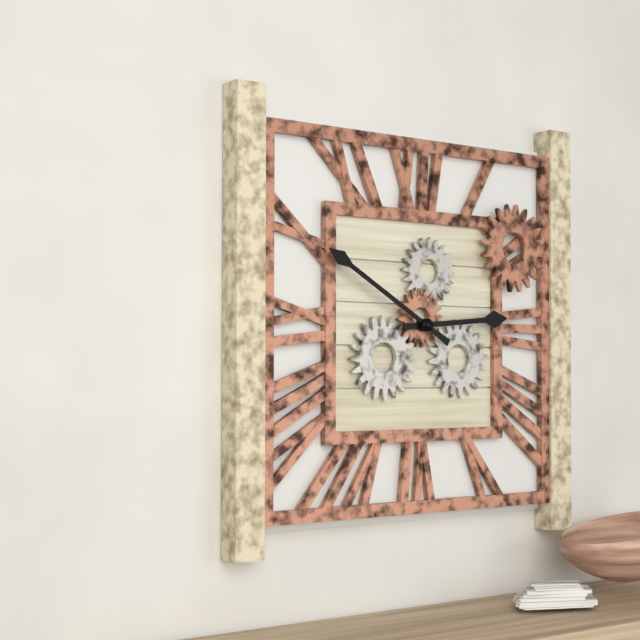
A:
2 h 50 min
